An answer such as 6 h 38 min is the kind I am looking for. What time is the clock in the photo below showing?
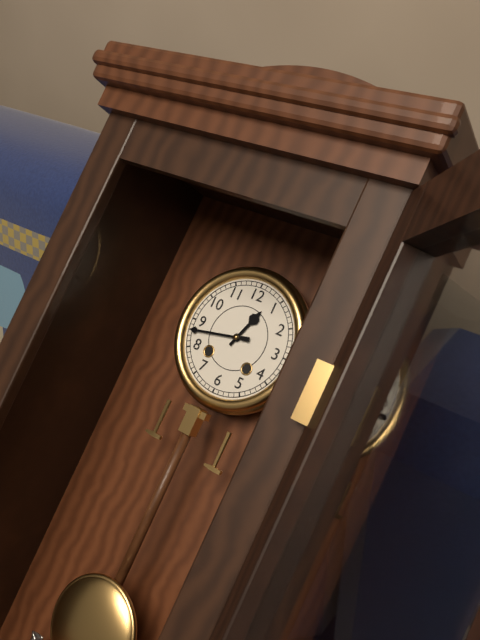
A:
12 h 43 min
